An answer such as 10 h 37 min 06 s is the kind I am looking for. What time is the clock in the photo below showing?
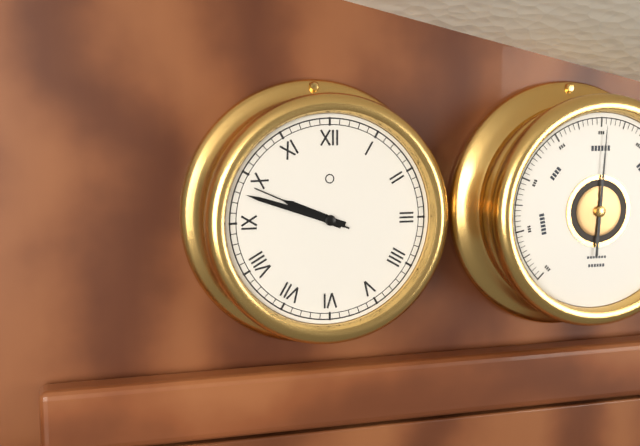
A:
9 h 48 min 49 s
